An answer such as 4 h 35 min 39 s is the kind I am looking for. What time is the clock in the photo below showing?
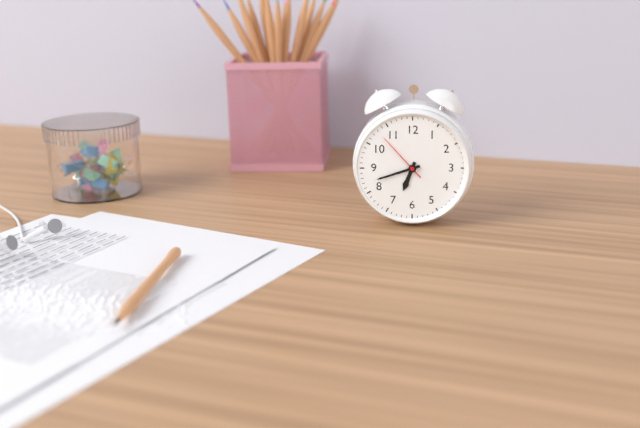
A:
6 h 42 min 53 s
